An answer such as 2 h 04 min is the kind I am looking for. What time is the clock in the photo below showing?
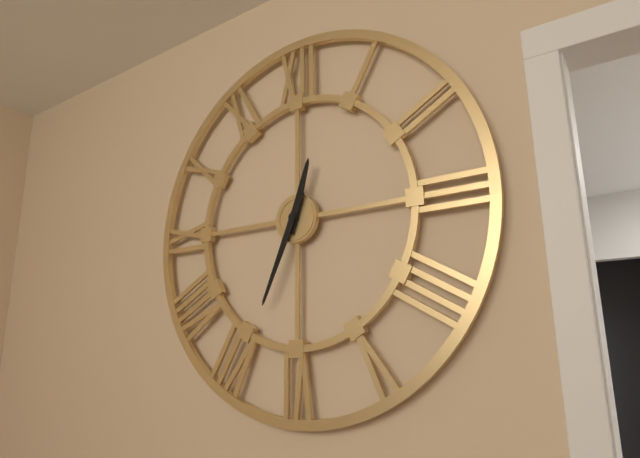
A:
12 h 34 min
